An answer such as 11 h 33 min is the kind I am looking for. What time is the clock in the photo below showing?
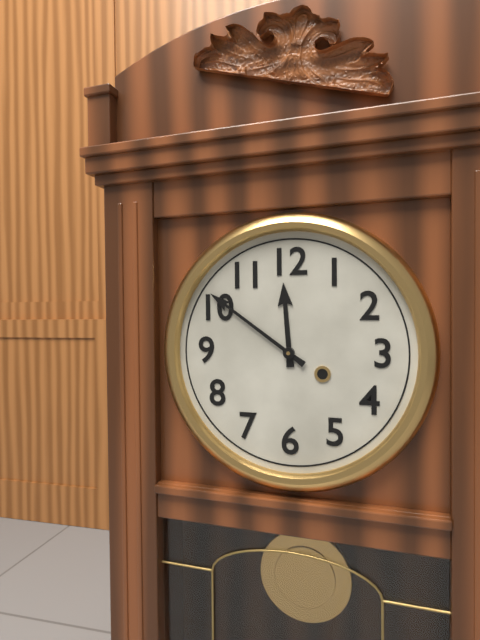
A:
11 h 51 min
